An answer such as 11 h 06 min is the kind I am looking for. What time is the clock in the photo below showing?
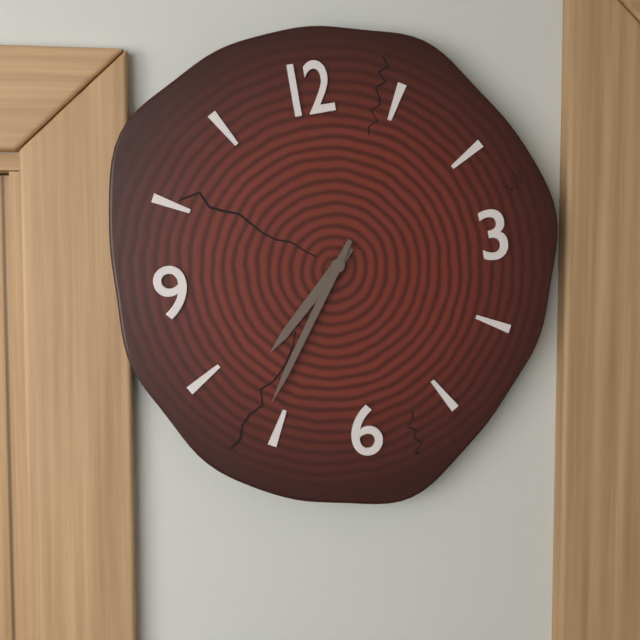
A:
7 h 36 min
